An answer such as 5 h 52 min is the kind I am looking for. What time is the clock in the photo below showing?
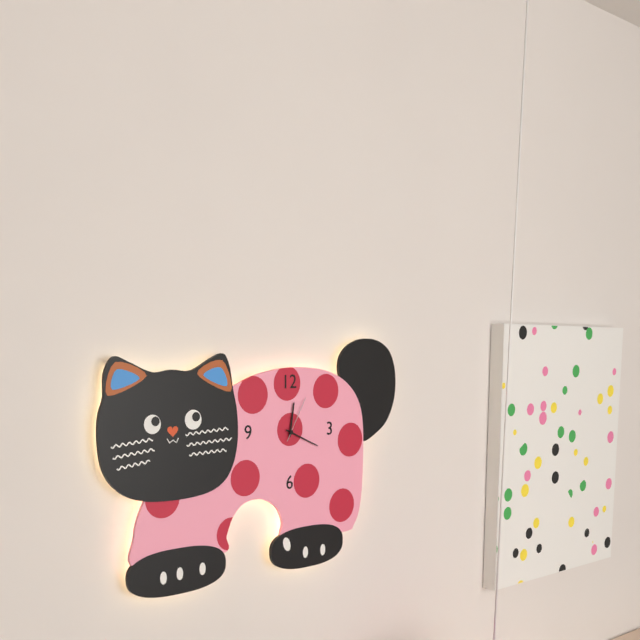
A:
12 h 19 min
